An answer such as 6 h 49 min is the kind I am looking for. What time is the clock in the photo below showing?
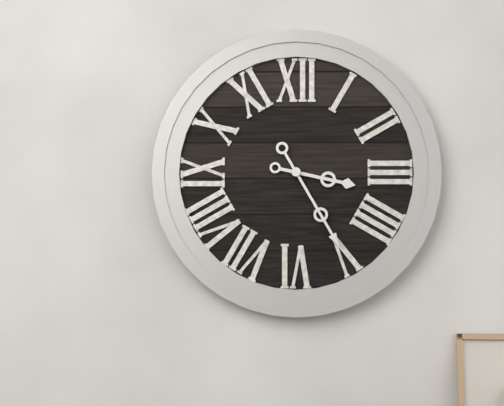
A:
3 h 25 min
